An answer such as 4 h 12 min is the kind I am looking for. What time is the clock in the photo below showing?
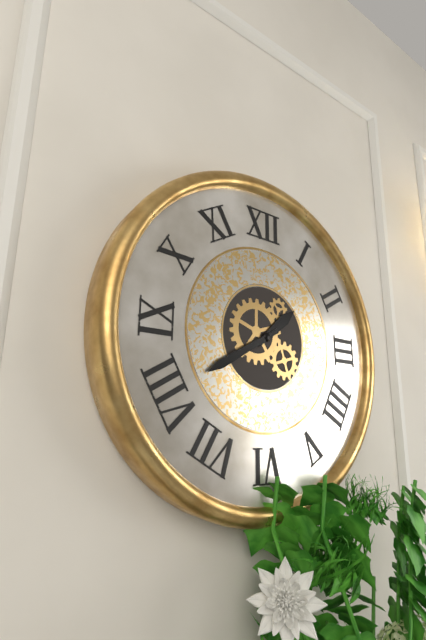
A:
1 h 40 min
